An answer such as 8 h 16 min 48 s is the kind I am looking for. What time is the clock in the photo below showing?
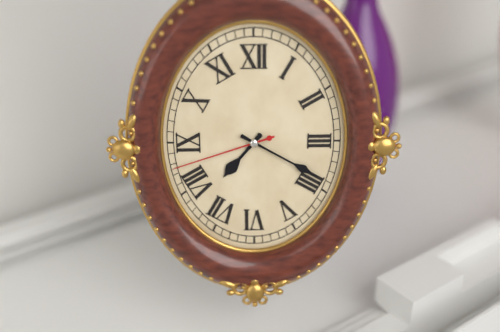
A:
7 h 20 min 42 s
